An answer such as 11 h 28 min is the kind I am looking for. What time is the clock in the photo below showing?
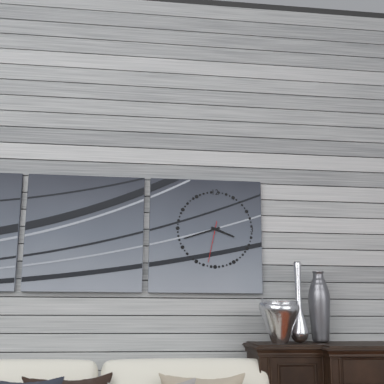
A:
3 h 42 min
